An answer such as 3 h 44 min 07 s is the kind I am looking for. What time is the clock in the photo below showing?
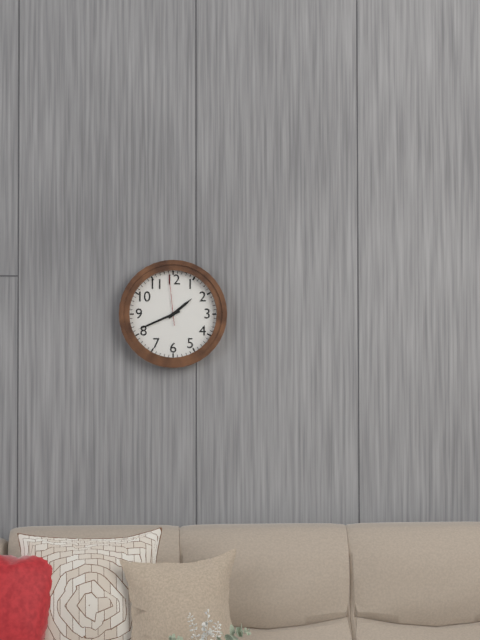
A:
1 h 41 min 59 s
